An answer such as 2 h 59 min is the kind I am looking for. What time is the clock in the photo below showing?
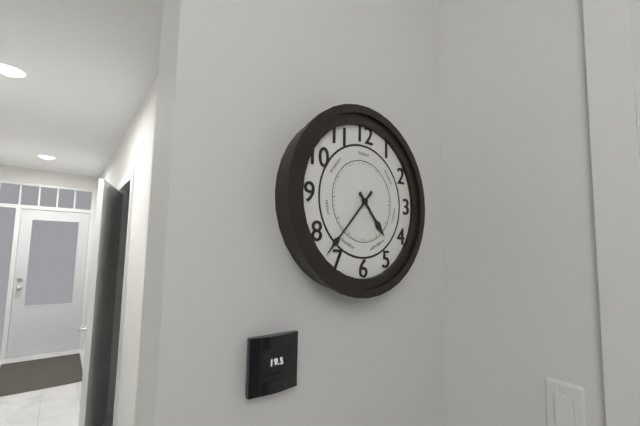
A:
4 h 37 min
